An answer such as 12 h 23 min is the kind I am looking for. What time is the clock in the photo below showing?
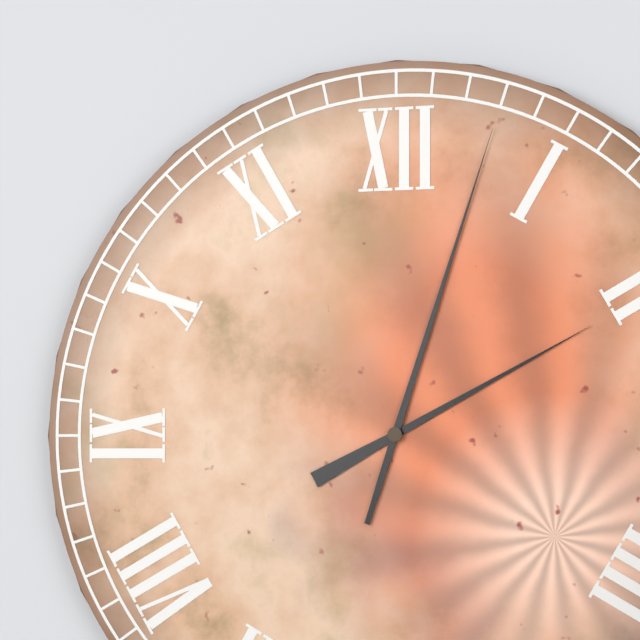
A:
2 h 03 min
